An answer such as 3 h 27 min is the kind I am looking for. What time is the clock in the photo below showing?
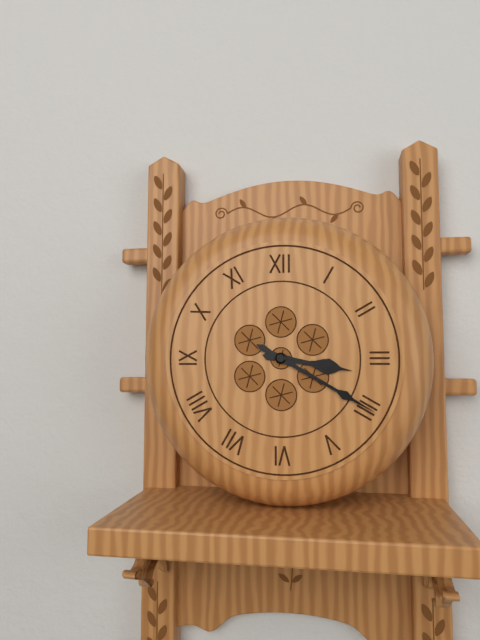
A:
3 h 20 min
